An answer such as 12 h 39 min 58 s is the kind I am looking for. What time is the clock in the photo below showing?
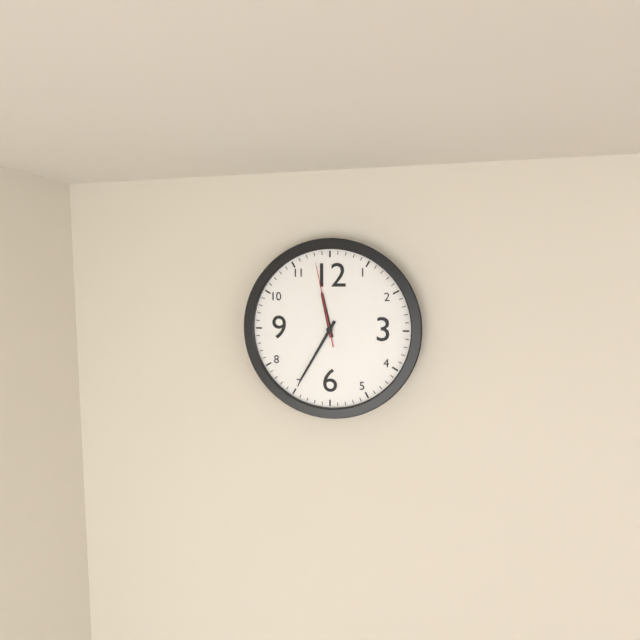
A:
11 h 35 min 58 s
